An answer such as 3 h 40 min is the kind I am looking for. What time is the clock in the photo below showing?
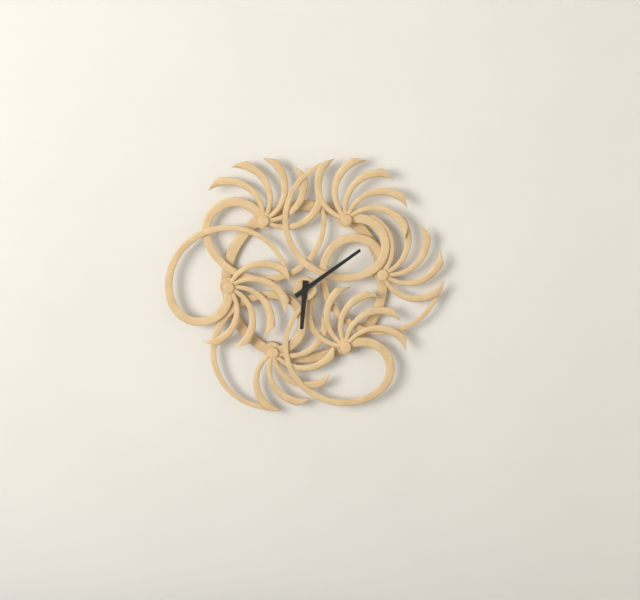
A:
6 h 09 min
